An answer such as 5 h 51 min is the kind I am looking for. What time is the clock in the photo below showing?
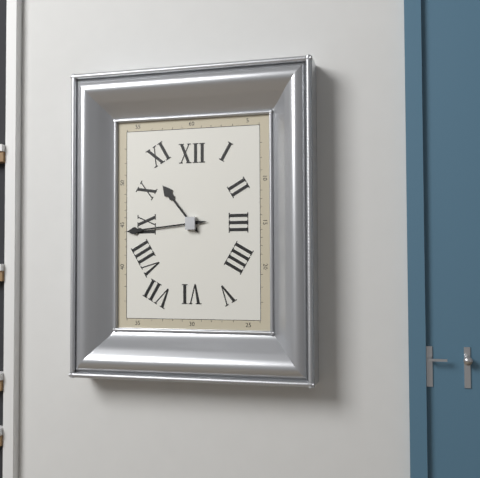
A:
10 h 44 min
